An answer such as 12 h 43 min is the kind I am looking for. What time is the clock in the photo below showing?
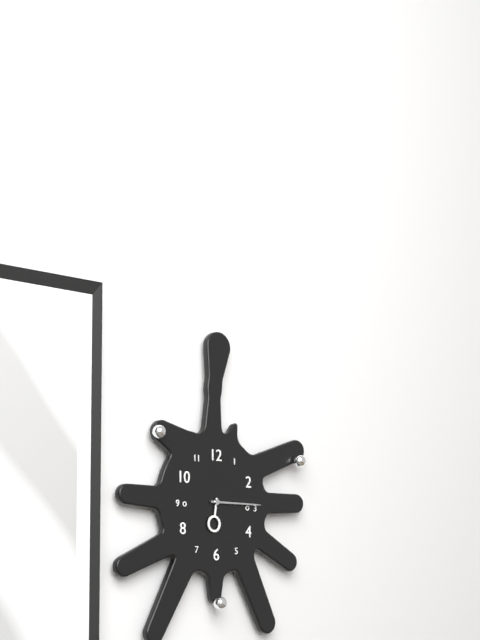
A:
6 h 15 min
